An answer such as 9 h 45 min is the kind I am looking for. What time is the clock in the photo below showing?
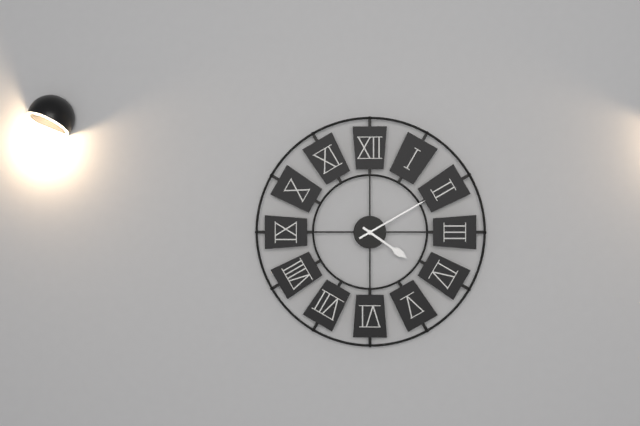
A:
4 h 10 min
